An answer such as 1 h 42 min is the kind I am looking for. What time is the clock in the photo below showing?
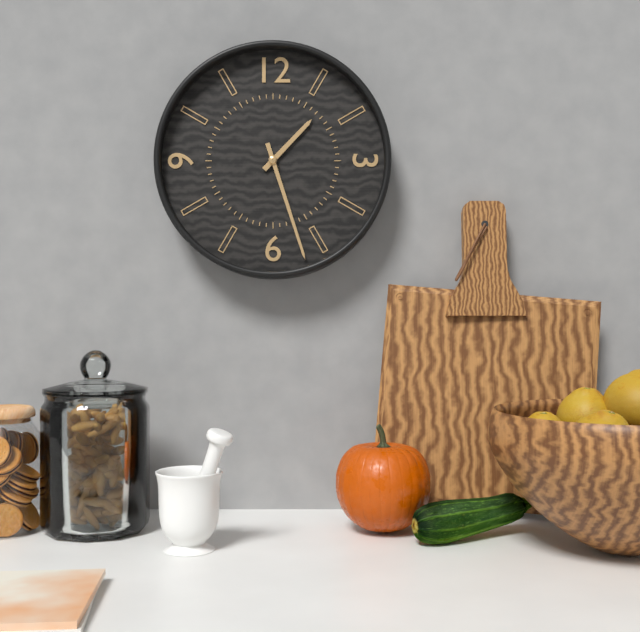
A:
1 h 27 min
